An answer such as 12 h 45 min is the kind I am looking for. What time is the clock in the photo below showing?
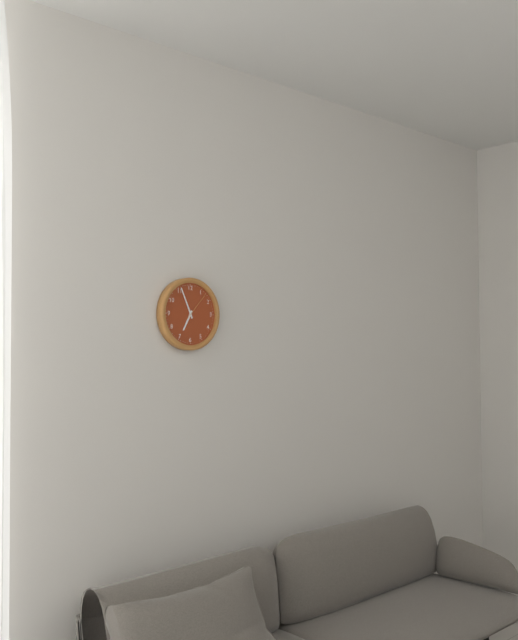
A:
6 h 56 min
